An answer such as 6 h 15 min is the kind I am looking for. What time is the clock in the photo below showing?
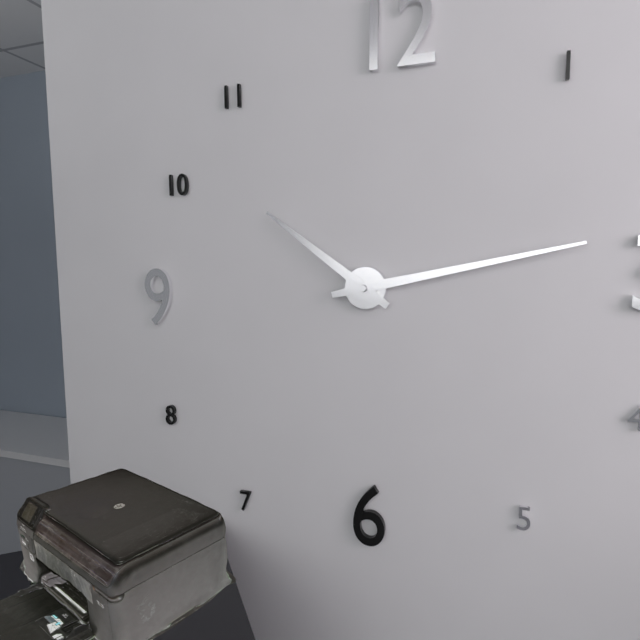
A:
10 h 13 min
